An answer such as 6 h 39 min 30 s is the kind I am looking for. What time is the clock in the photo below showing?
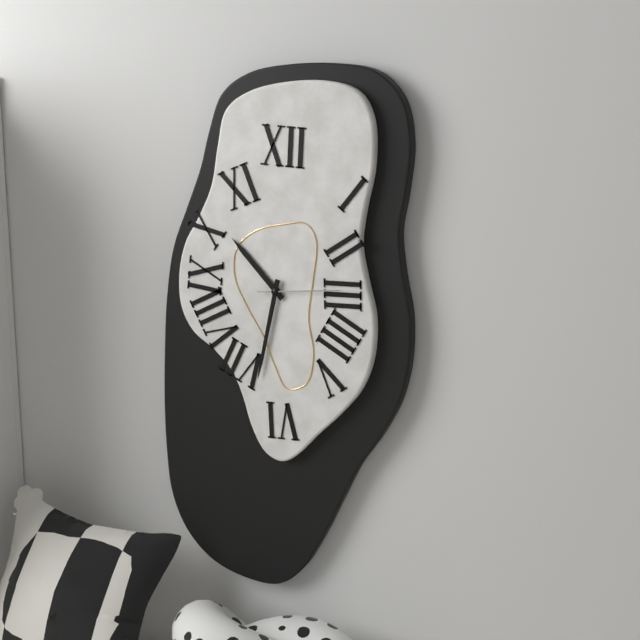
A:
10 h 32 min 14 s
